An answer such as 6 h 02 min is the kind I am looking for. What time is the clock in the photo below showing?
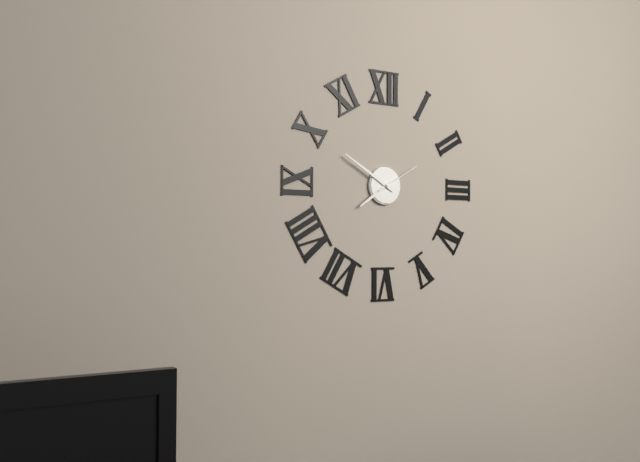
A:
7 h 50 min
